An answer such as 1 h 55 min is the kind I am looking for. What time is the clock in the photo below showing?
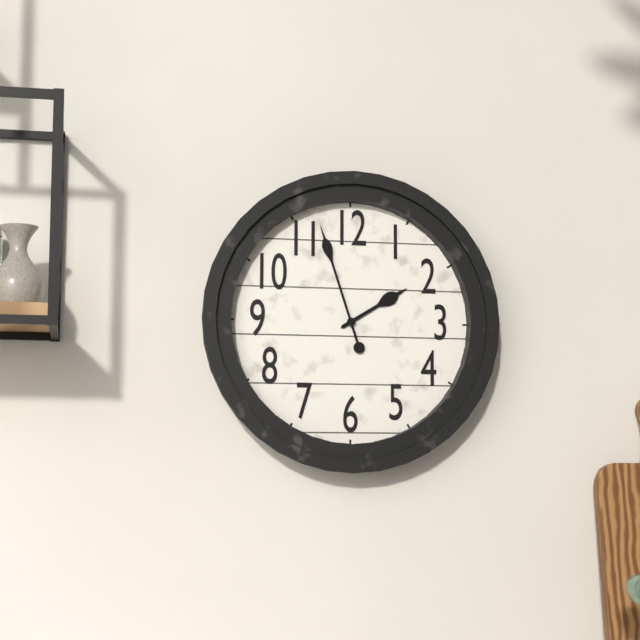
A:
1 h 57 min
